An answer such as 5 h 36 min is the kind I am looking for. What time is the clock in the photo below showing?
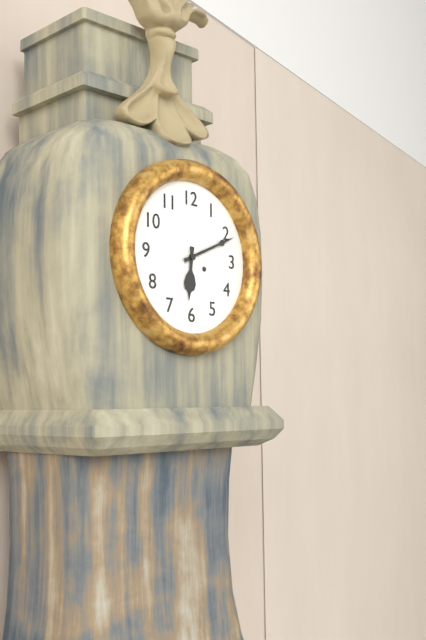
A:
6 h 11 min
